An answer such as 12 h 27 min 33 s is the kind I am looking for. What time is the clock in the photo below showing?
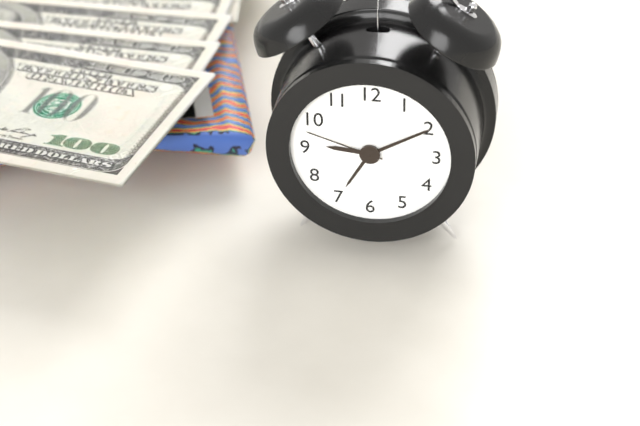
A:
9 h 10 min 48 s
